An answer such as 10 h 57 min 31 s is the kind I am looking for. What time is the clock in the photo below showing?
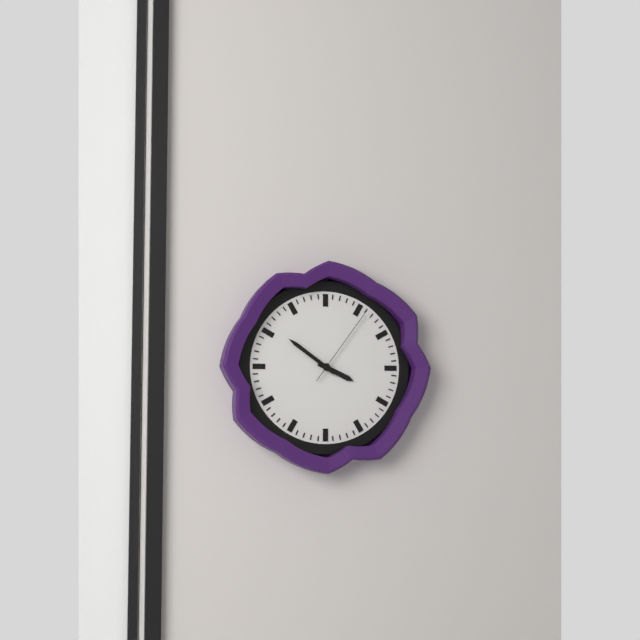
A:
3 h 51 min 06 s
